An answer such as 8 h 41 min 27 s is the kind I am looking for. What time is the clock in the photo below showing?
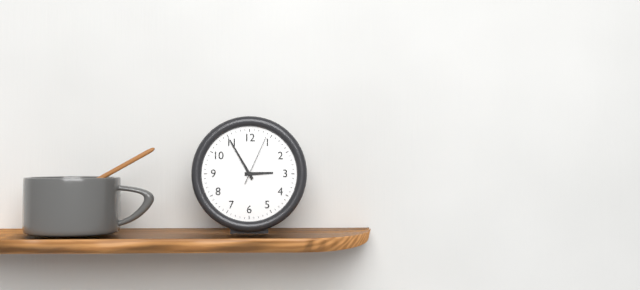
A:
2 h 55 min 04 s
